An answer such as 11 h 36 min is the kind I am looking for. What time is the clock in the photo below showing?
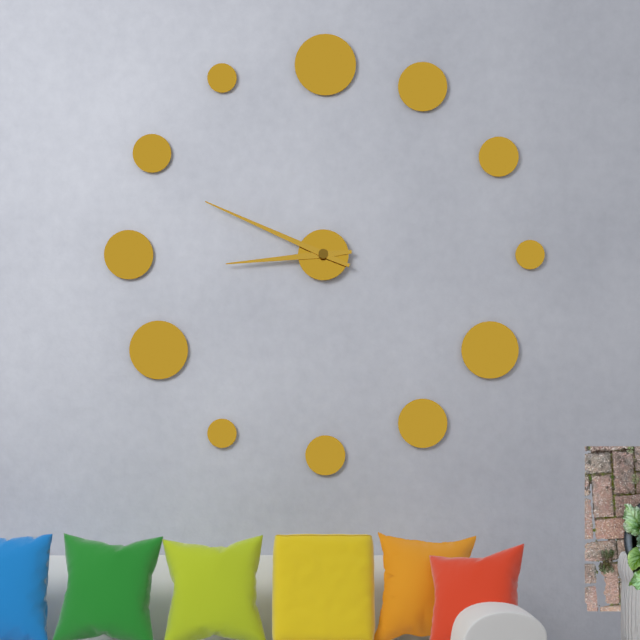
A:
8 h 49 min
